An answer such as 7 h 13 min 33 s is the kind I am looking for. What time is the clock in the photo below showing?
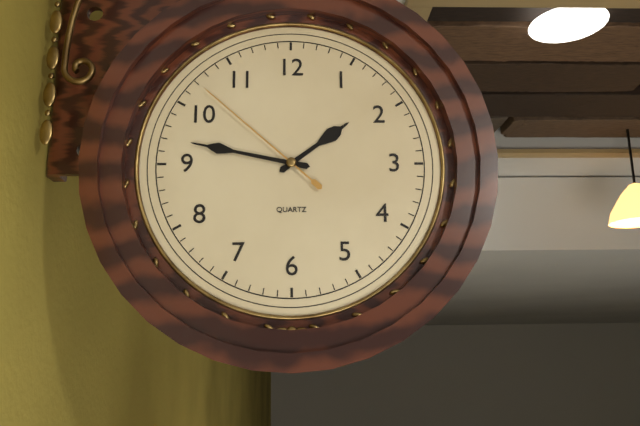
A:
1 h 47 min 52 s
